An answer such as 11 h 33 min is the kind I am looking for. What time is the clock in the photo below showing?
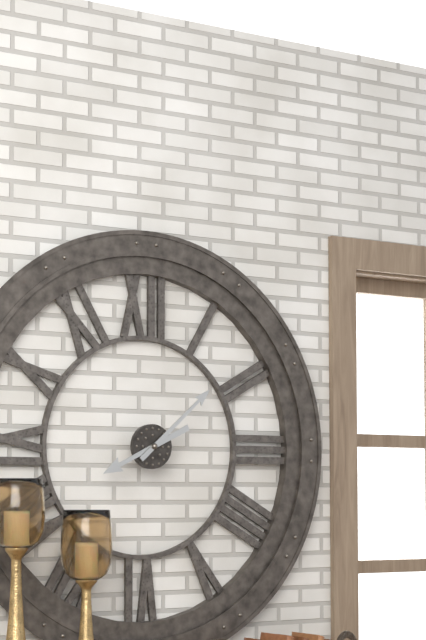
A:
8 h 08 min
